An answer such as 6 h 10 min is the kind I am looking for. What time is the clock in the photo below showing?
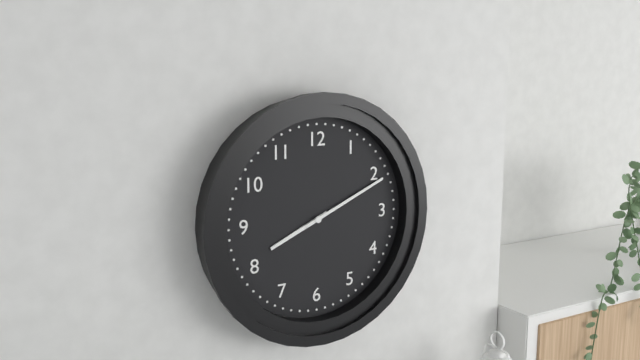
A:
8 h 11 min
